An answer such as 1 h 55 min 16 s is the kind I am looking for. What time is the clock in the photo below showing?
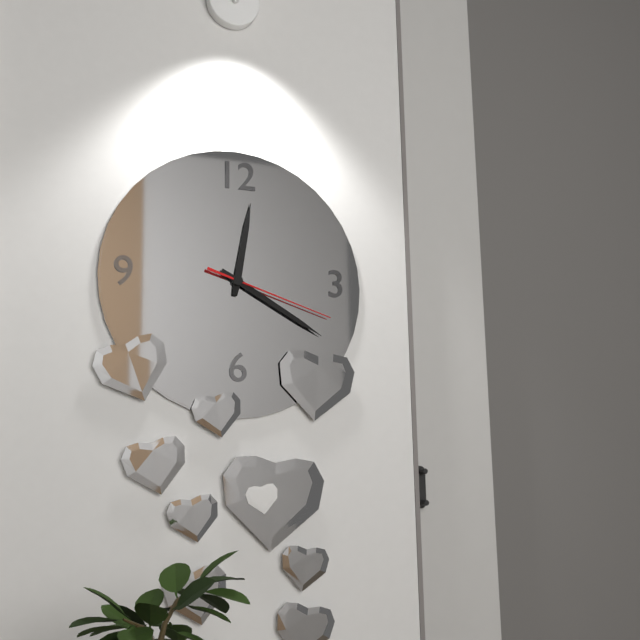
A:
12 h 20 min 18 s
